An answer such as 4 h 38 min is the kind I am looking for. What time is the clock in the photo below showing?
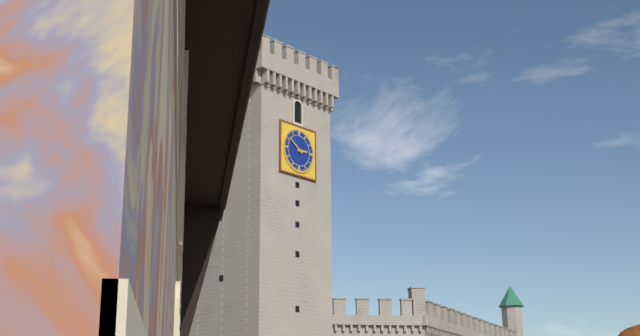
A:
2 h 51 min
